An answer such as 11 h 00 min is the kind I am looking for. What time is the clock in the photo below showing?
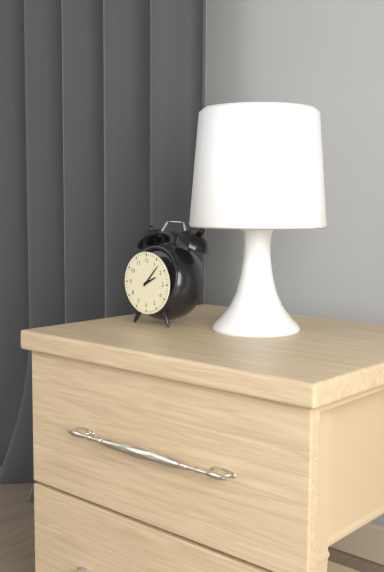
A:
2 h 07 min
